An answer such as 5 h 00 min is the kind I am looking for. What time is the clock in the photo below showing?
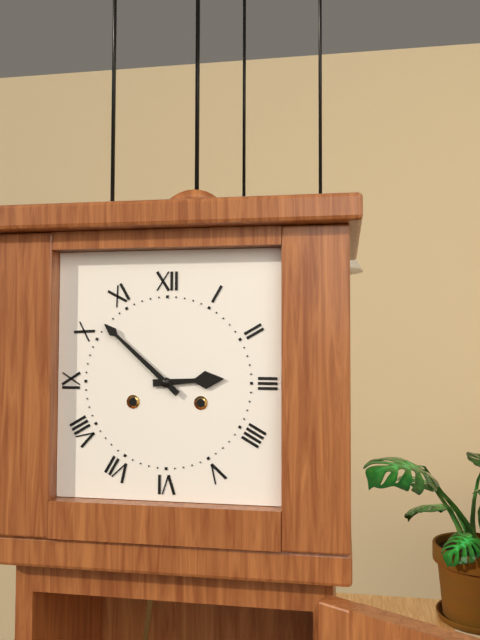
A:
2 h 52 min
